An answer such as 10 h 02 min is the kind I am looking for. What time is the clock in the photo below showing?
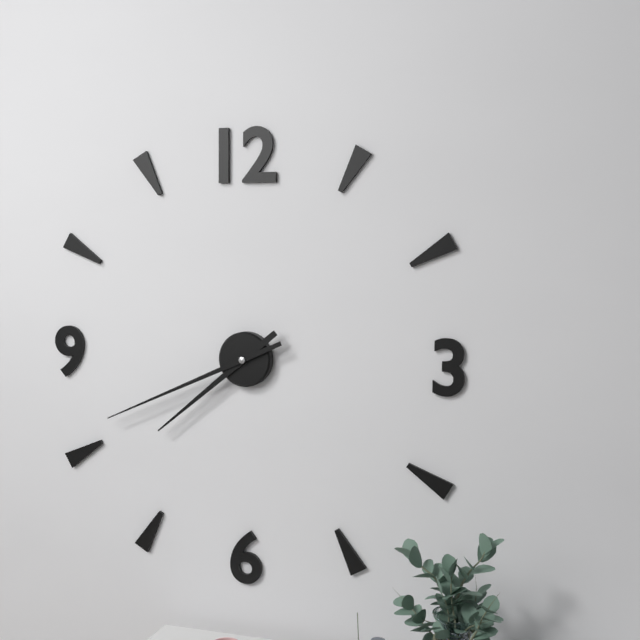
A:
7 h 41 min
